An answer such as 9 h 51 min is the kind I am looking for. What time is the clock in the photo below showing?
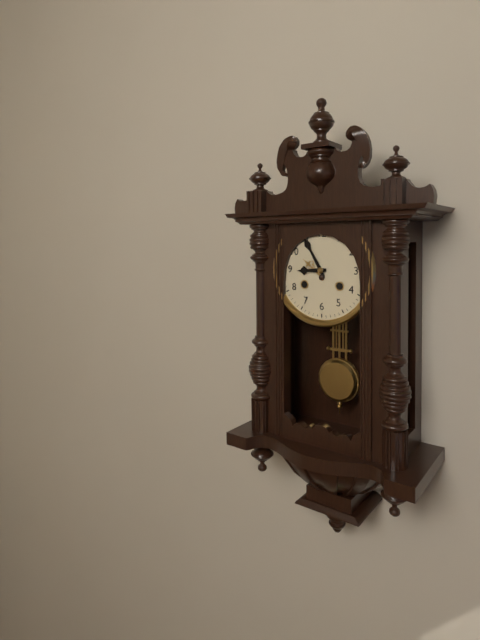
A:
8 h 55 min
